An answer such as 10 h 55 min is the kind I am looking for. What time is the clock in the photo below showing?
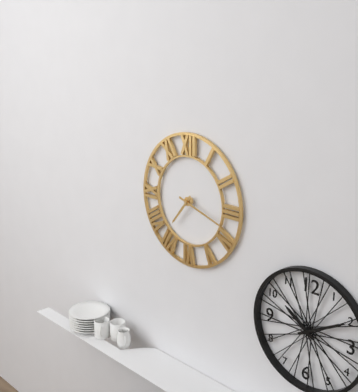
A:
7 h 18 min
